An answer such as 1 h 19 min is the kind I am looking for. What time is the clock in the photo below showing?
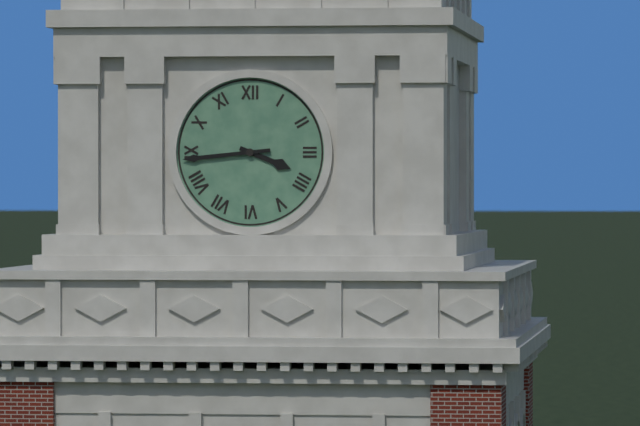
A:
3 h 44 min
